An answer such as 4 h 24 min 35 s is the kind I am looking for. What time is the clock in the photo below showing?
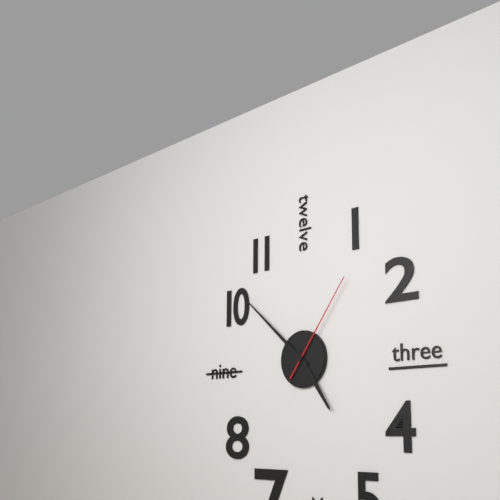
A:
4 h 52 min 06 s
